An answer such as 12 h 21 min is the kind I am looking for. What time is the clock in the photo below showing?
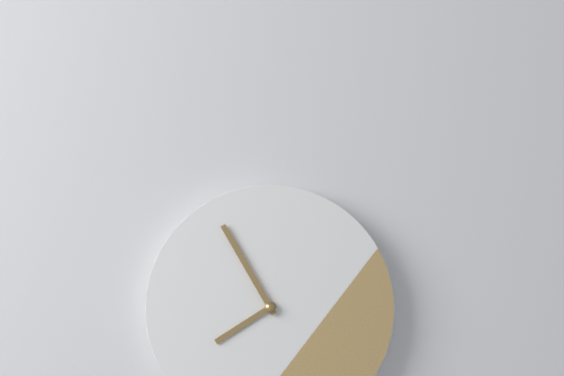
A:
7 h 55 min
